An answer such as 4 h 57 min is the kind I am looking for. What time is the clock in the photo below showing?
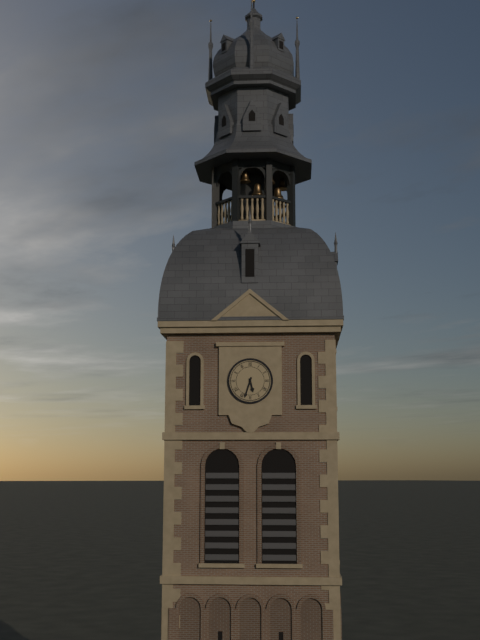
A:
5 h 33 min
